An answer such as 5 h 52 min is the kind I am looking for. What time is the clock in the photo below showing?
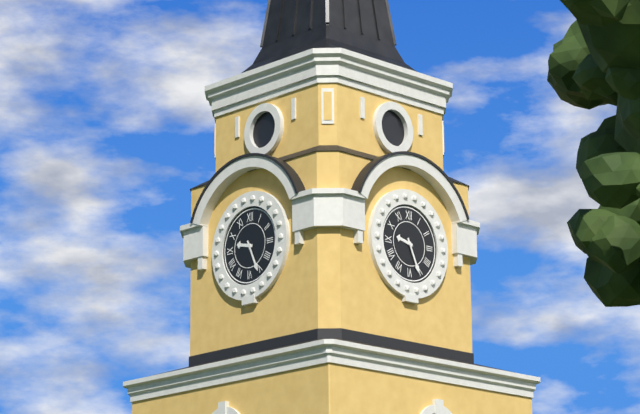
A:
9 h 26 min
